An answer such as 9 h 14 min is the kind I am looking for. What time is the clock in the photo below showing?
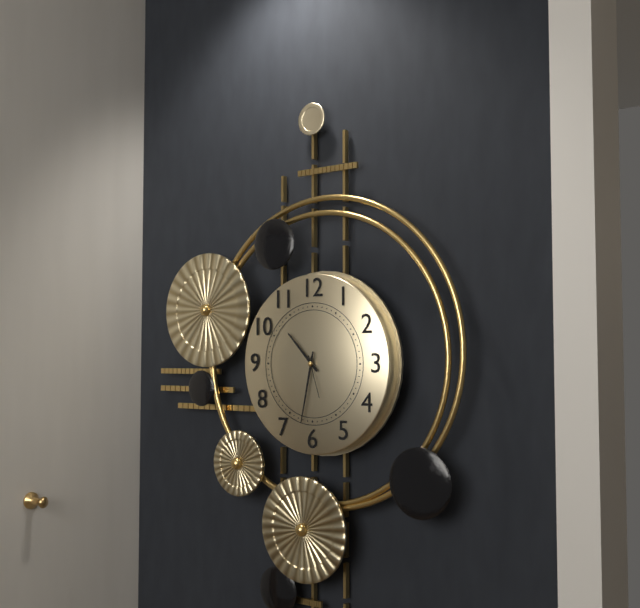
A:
10 h 32 min
